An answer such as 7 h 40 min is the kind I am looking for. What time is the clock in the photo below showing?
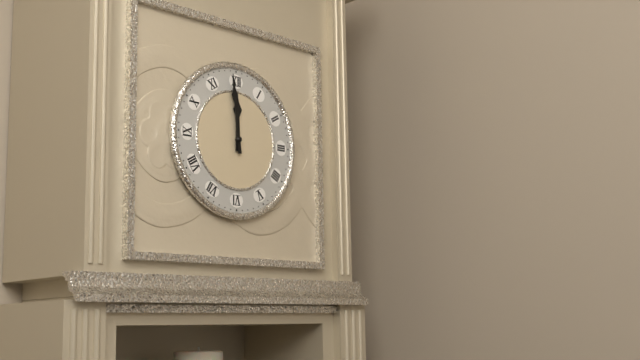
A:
11 h 59 min
